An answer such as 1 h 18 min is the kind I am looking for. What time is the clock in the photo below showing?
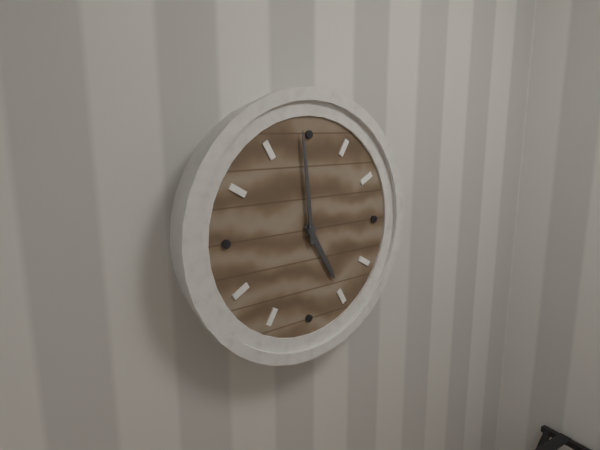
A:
4 h 59 min
